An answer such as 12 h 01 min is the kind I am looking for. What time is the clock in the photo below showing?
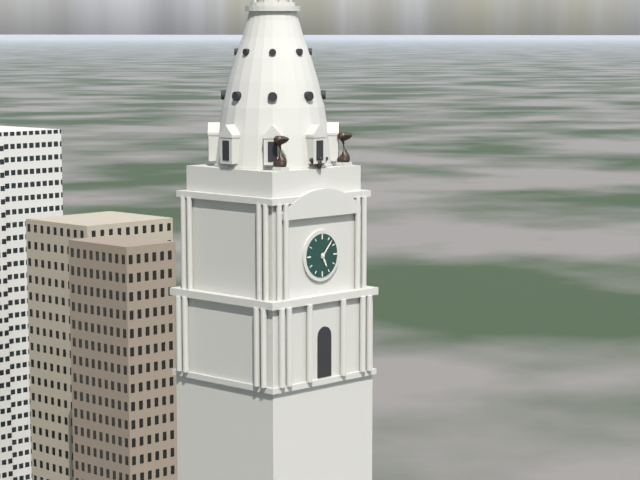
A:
5 h 07 min
